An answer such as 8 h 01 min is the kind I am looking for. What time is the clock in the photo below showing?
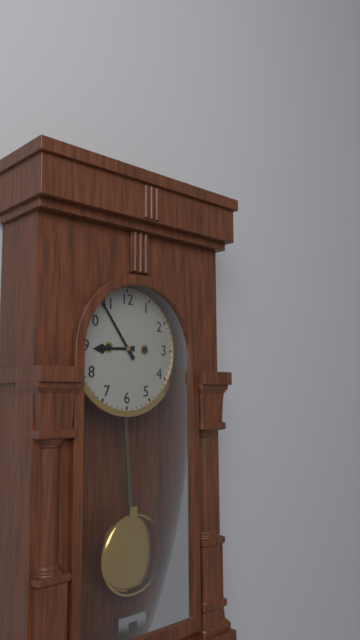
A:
8 h 54 min
